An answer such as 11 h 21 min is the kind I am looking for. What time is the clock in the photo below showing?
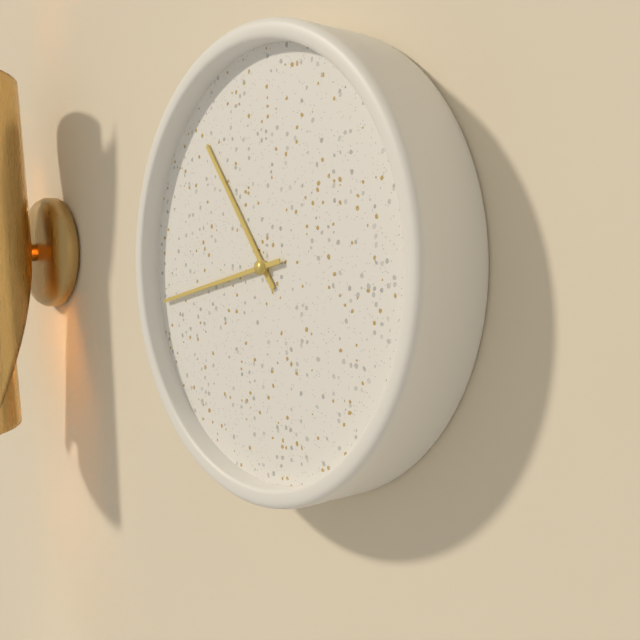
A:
10 h 43 min
